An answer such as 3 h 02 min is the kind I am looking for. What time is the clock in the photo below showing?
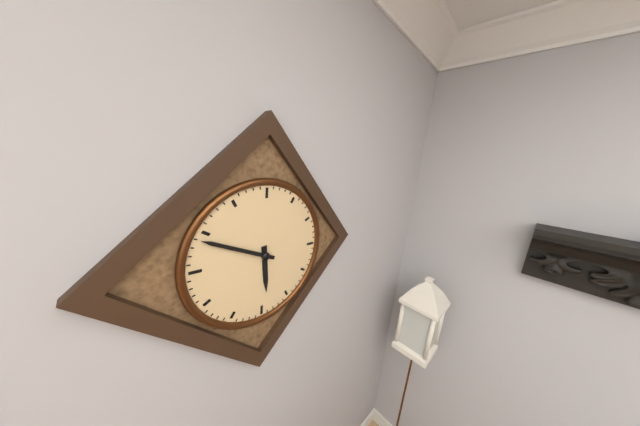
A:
5 h 49 min
